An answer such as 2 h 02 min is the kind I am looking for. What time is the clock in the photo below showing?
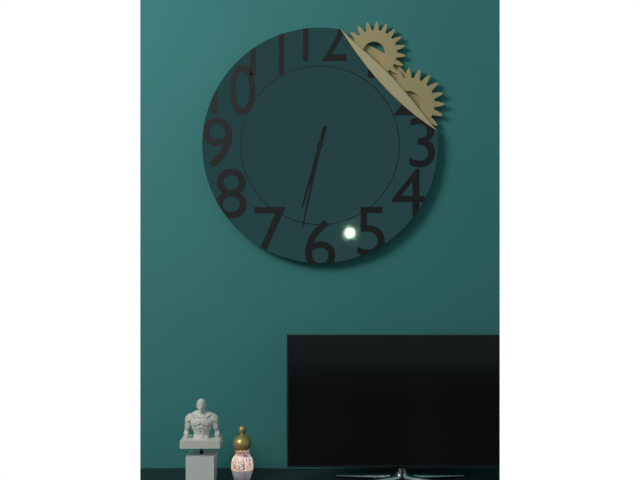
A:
6 h 32 min
